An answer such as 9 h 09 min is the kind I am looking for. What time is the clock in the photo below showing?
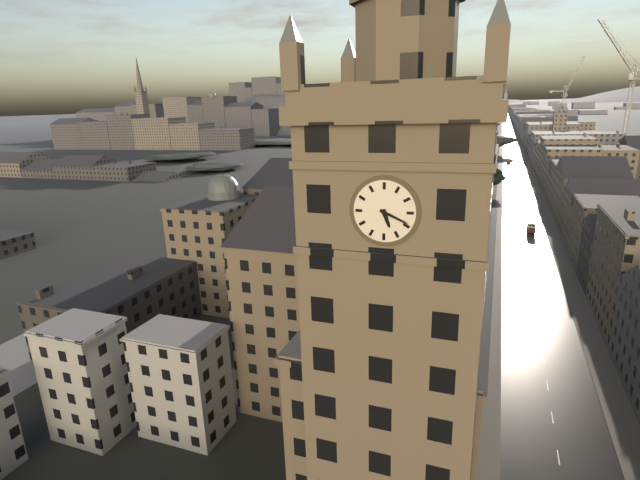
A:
5 h 19 min
